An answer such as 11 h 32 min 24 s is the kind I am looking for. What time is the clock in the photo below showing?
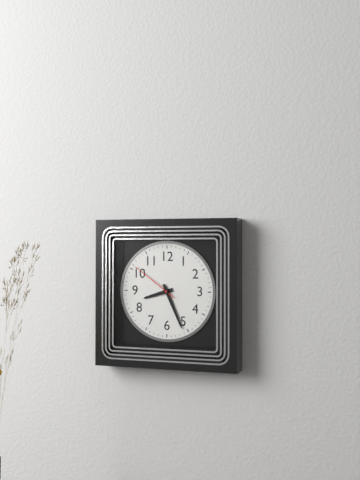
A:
8 h 26 min 51 s
